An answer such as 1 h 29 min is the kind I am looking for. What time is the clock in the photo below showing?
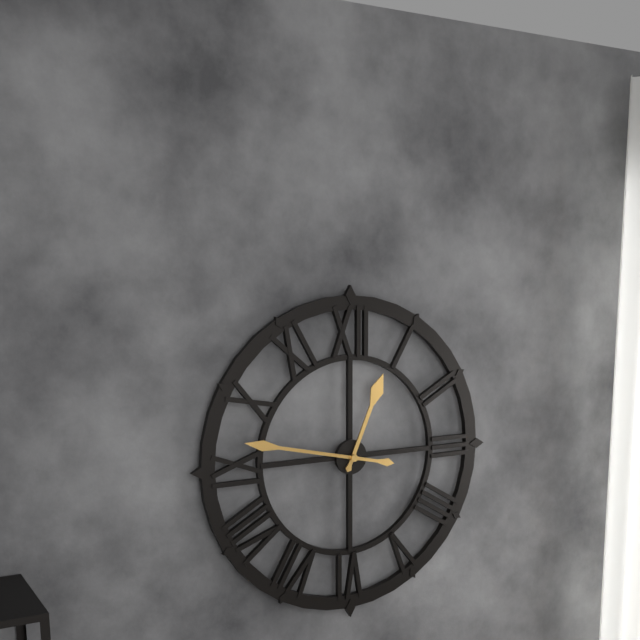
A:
12 h 47 min
